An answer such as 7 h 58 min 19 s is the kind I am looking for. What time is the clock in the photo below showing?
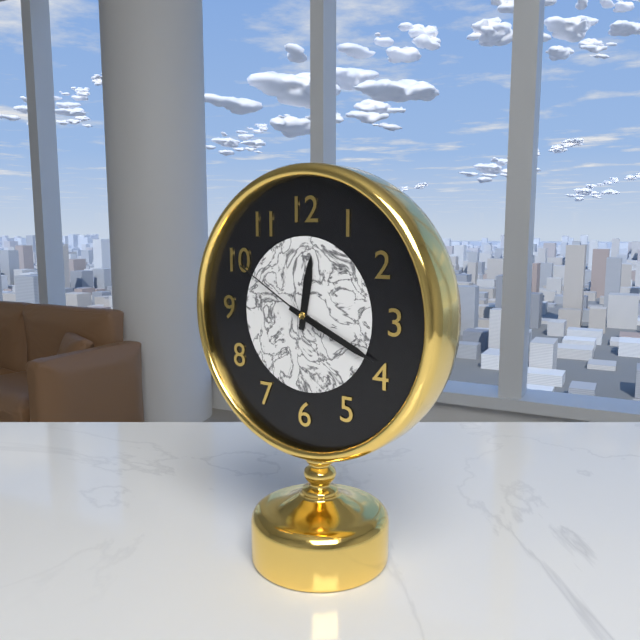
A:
12 h 19 min 50 s
